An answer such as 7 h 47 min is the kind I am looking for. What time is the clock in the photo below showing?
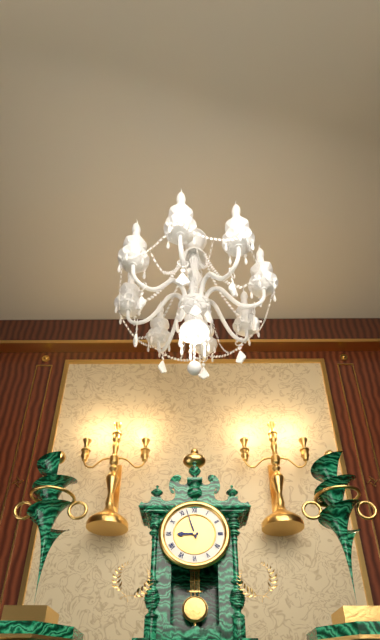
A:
8 h 57 min
